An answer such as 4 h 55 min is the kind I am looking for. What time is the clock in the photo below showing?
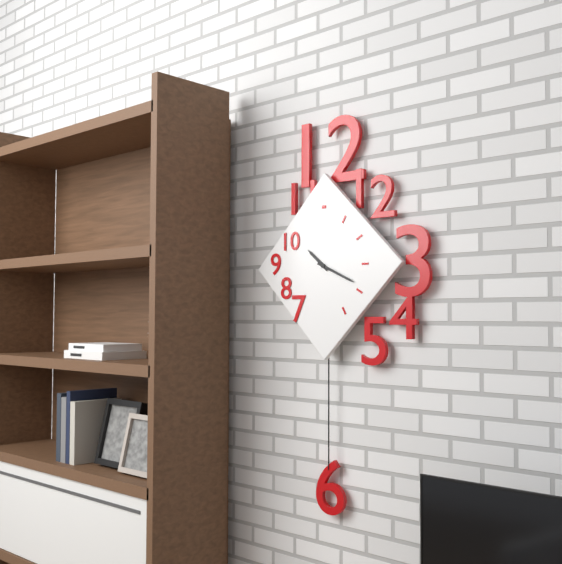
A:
10 h 19 min
